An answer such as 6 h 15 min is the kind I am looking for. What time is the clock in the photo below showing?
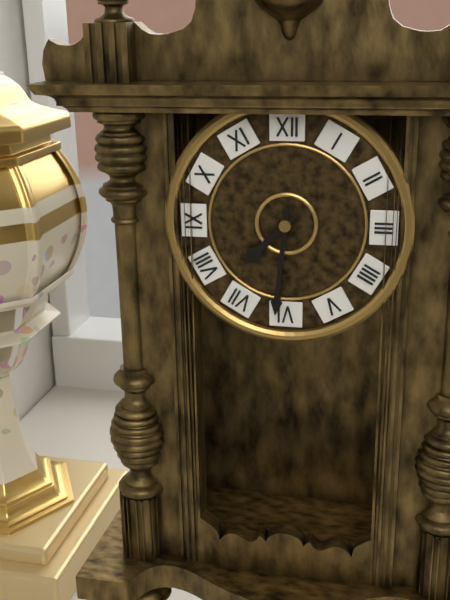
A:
7 h 31 min
